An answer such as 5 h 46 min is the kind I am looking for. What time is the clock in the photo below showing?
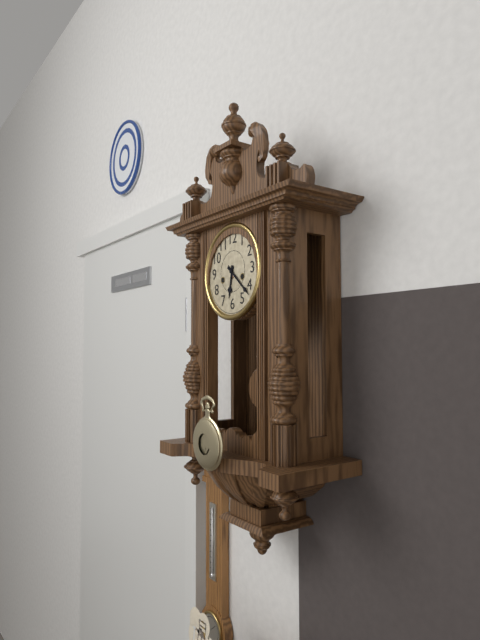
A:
6 h 22 min
